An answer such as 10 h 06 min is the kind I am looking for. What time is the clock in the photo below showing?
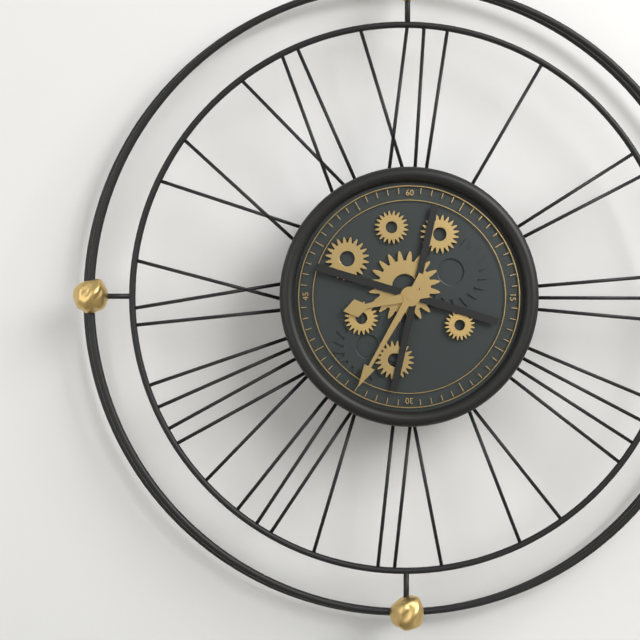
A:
8 h 35 min
